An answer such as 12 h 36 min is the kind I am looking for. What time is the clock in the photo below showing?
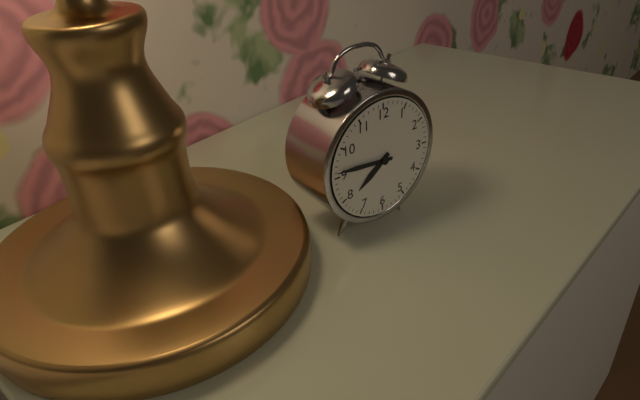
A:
7 h 46 min
